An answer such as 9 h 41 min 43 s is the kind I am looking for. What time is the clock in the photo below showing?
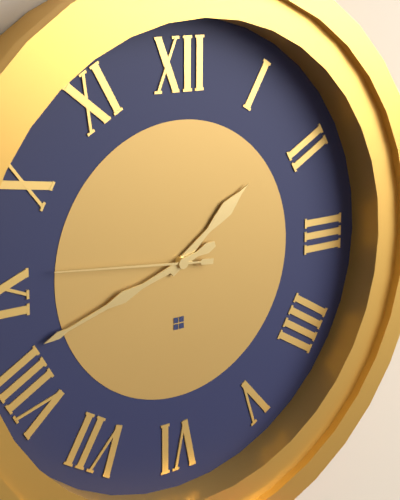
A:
1 h 42 min 46 s
